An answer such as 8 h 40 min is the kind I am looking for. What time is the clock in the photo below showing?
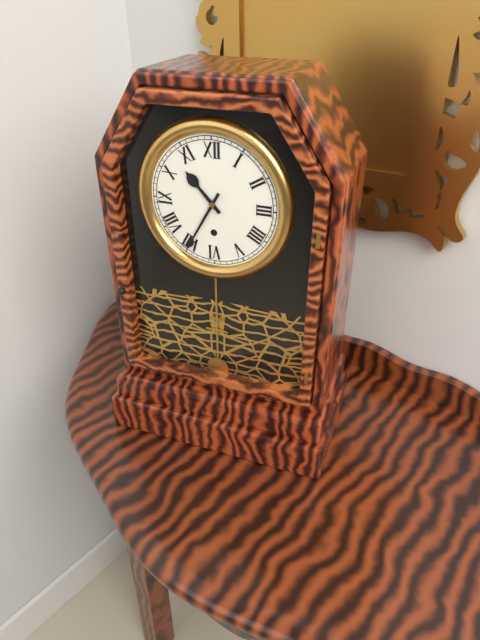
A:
10 h 35 min
